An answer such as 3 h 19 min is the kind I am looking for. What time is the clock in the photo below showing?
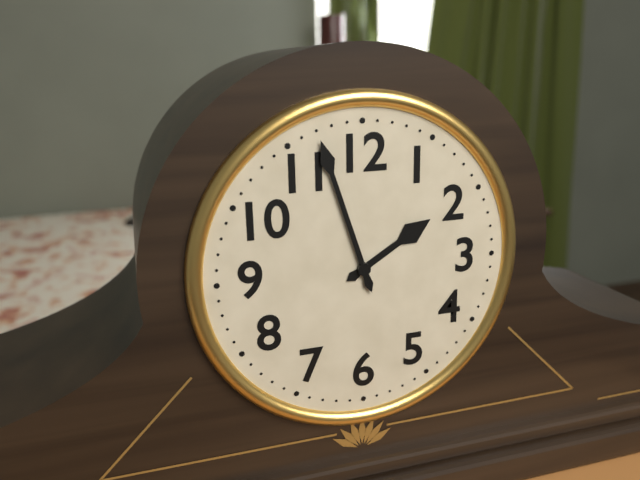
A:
1 h 57 min
